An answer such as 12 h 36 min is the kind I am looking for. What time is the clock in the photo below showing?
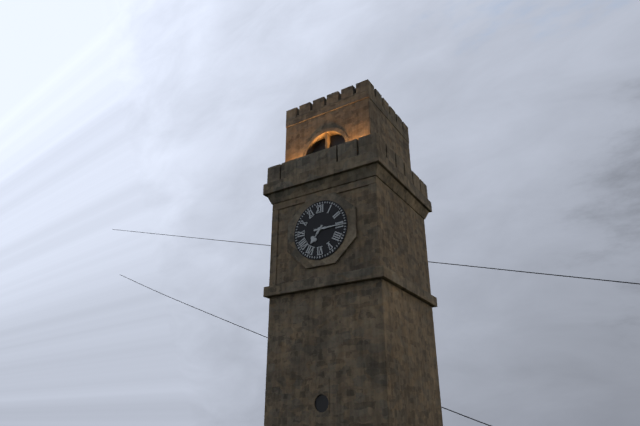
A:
7 h 15 min
